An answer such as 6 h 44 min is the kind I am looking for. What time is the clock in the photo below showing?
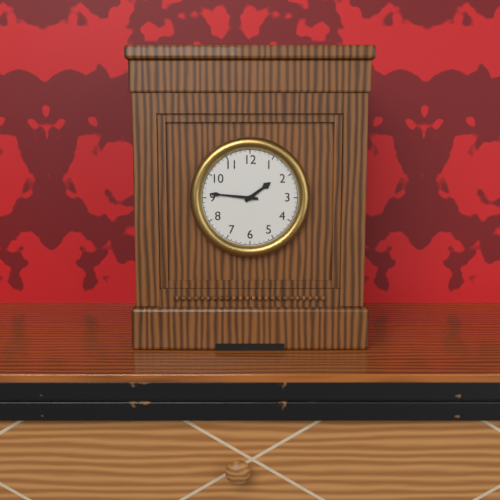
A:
1 h 46 min
